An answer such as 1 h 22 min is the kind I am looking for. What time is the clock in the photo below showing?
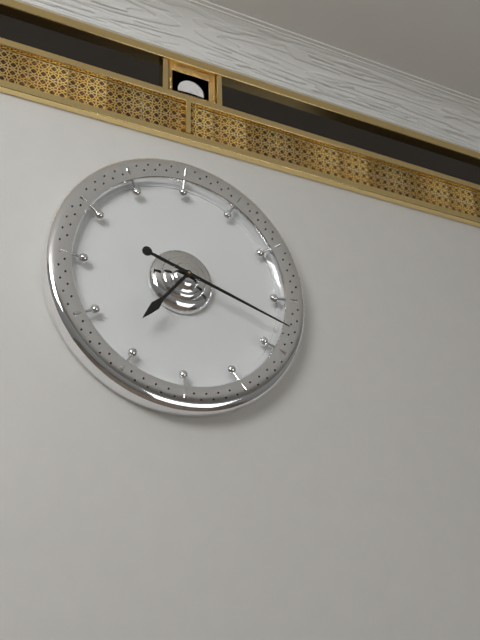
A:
7 h 18 min
